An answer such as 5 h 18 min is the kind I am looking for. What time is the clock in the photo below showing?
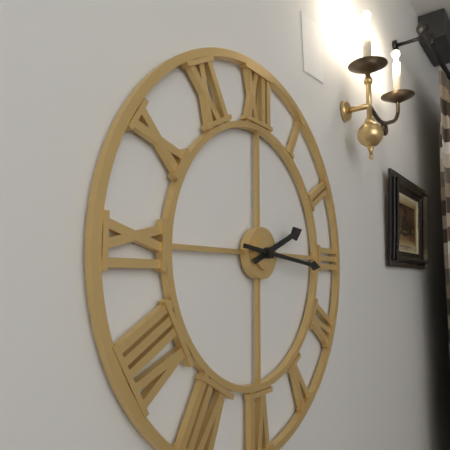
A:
2 h 16 min
